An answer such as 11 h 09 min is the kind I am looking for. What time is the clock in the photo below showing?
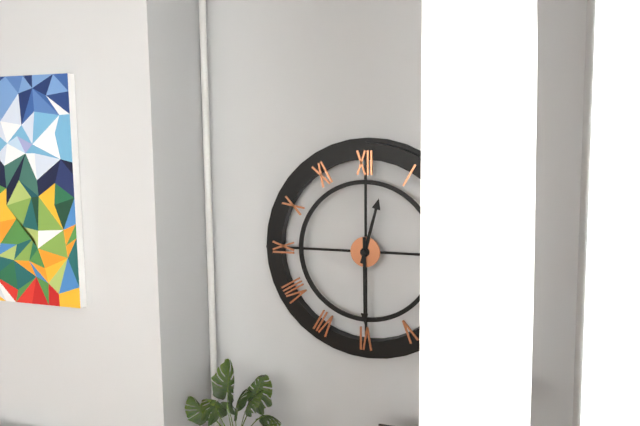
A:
12 h 30 min
